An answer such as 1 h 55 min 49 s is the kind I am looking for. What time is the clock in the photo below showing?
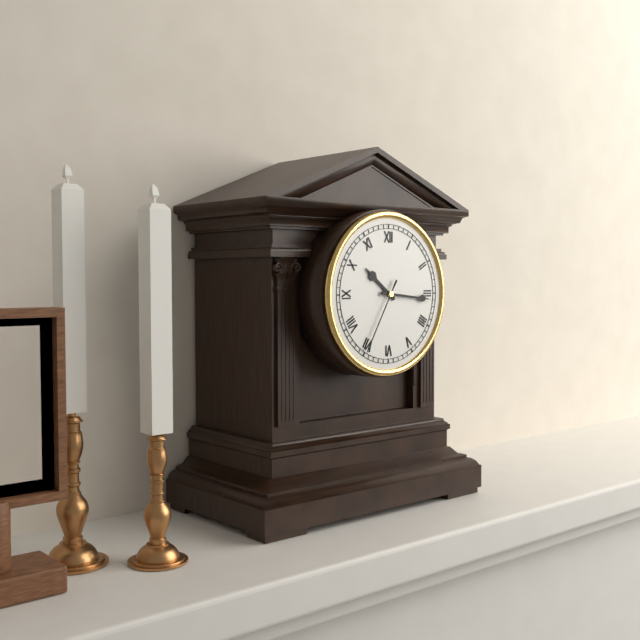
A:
10 h 16 min 35 s
